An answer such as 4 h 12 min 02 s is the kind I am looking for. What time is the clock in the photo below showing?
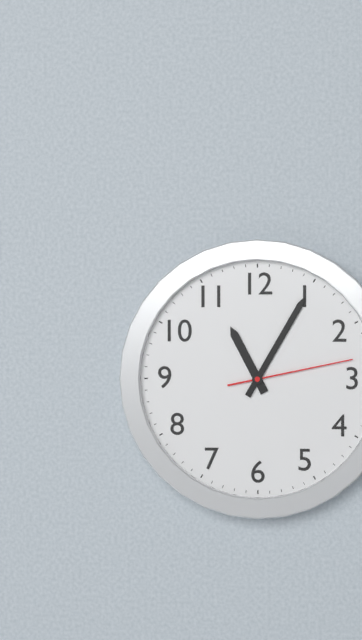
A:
11 h 05 min 13 s
